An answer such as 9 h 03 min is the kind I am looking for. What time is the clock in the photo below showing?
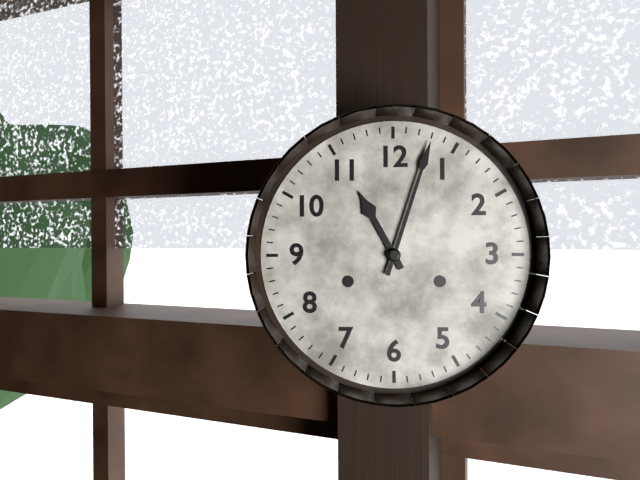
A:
11 h 03 min
